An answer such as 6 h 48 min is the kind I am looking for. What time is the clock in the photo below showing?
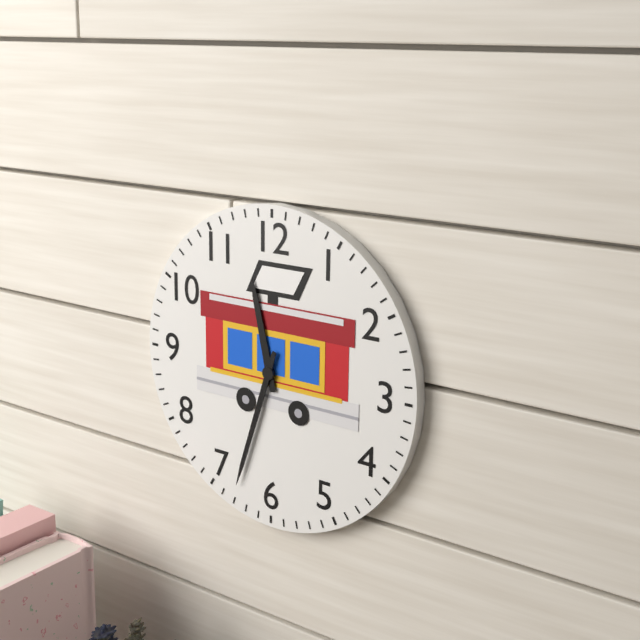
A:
11 h 33 min
